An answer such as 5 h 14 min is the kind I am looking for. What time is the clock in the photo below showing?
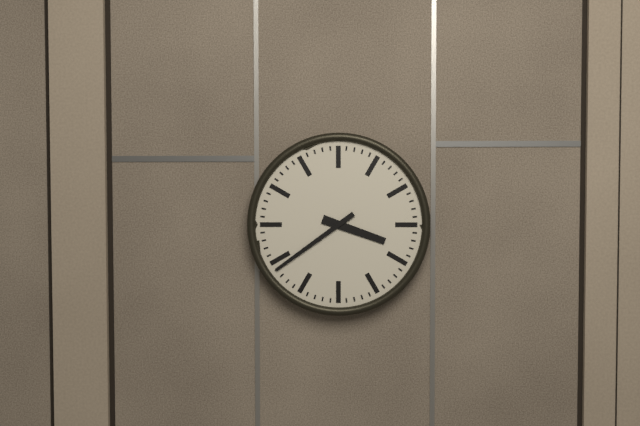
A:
3 h 39 min
